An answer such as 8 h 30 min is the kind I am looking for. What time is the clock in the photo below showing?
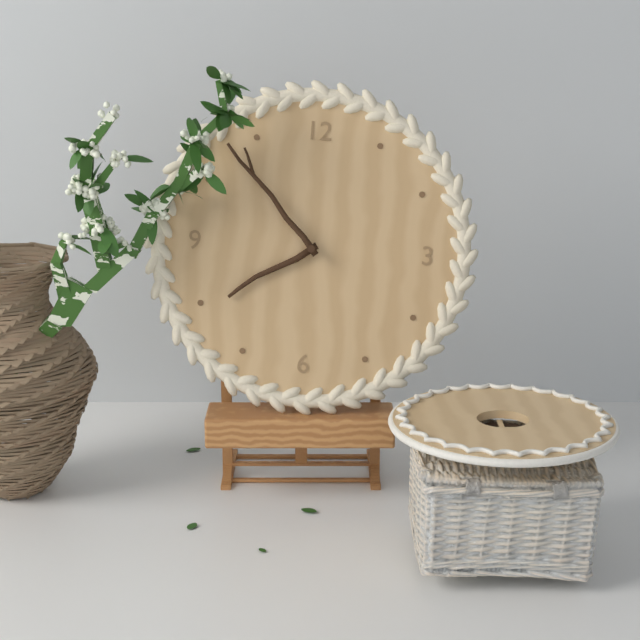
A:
7 h 53 min
